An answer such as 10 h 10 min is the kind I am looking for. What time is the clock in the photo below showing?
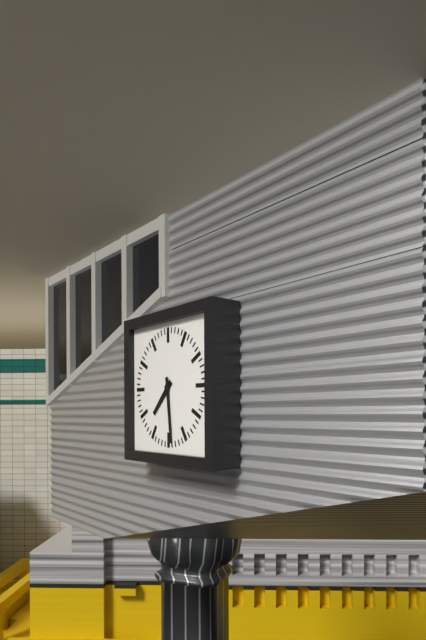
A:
7 h 29 min
